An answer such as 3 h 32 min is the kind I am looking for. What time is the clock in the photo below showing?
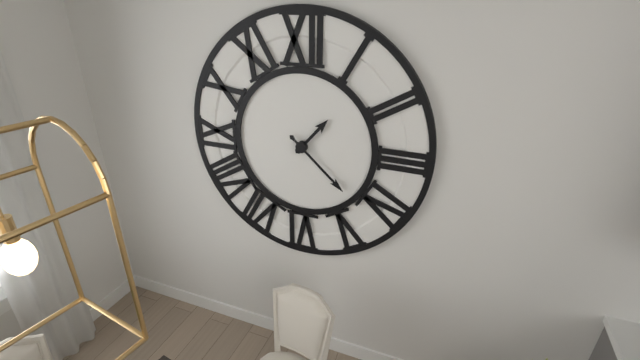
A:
1 h 22 min
